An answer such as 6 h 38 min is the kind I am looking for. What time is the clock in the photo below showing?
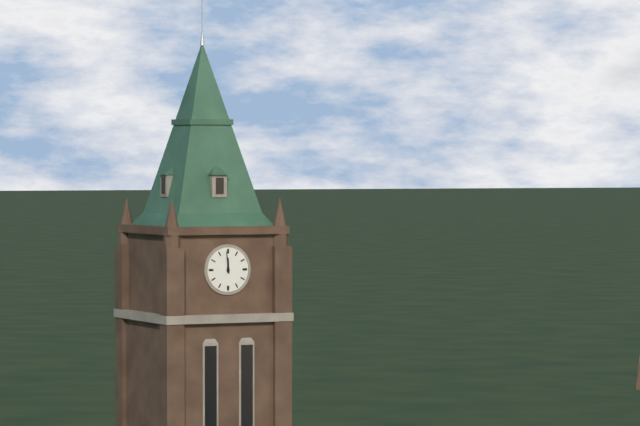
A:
11 h 59 min
